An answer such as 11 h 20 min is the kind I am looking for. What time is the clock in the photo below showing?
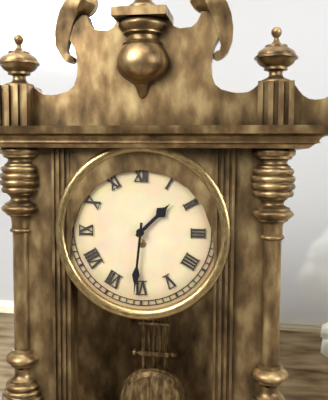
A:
1 h 31 min
